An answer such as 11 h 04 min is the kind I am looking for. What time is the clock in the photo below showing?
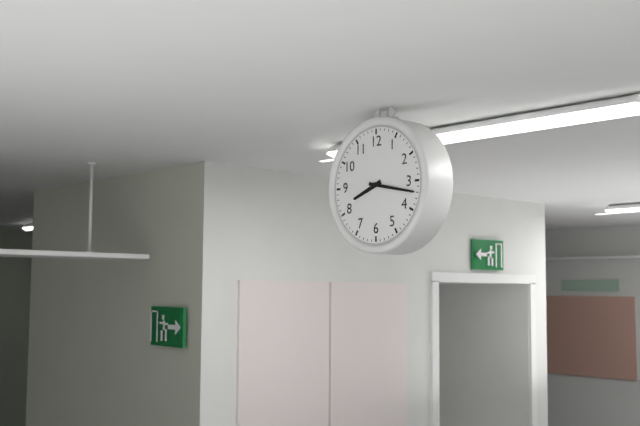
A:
8 h 17 min
